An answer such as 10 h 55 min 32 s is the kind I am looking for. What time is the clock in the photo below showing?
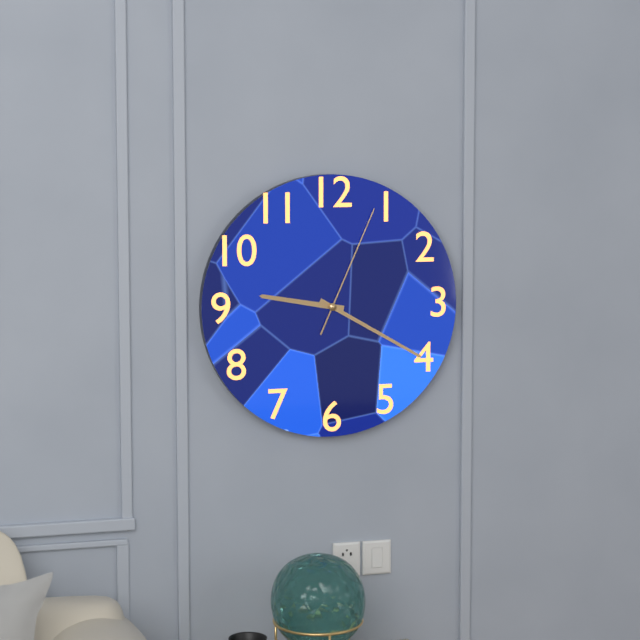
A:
9 h 20 min 04 s
